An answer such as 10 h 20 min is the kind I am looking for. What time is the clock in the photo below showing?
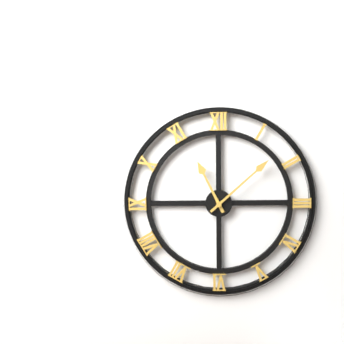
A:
11 h 08 min
